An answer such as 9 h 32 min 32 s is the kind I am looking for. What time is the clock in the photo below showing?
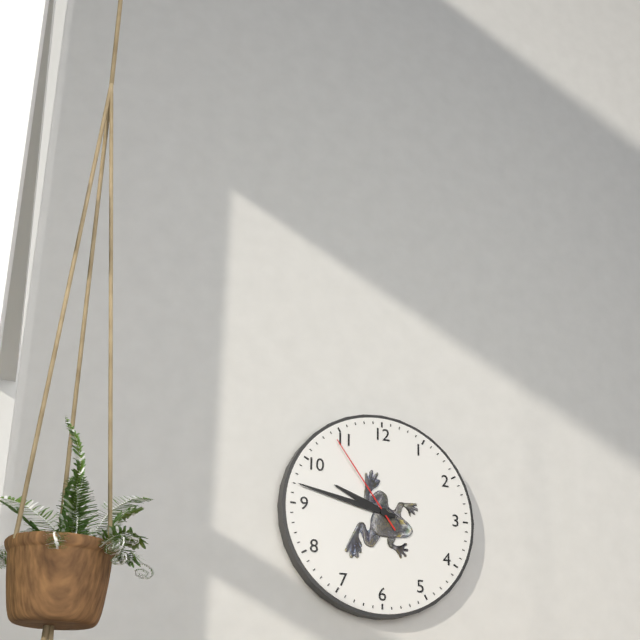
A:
9 h 47 min 54 s
